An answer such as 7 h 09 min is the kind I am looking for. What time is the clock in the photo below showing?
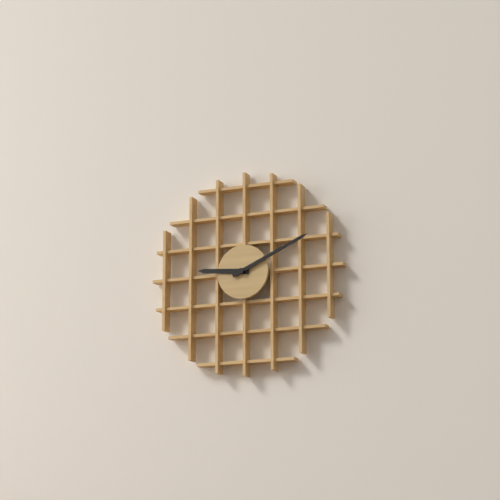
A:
9 h 11 min
